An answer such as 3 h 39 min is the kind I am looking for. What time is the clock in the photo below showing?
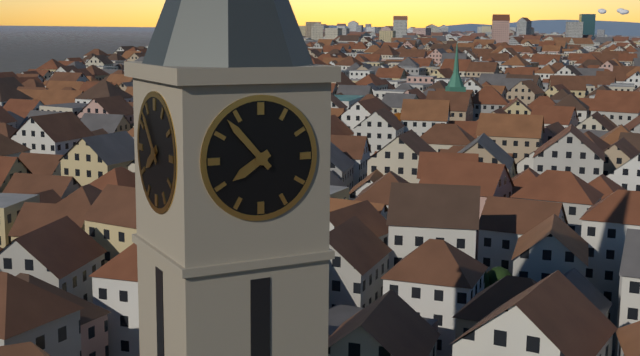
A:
7 h 53 min
